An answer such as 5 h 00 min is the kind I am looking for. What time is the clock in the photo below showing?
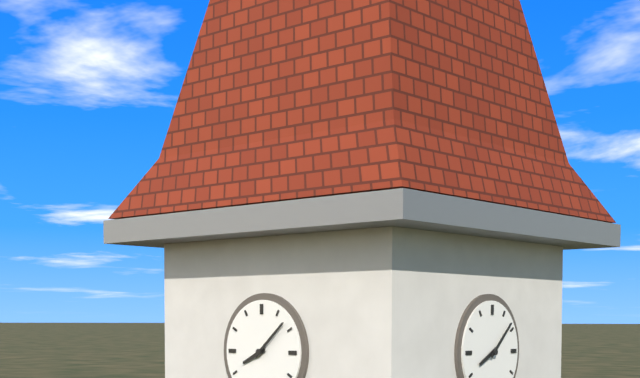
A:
8 h 08 min
